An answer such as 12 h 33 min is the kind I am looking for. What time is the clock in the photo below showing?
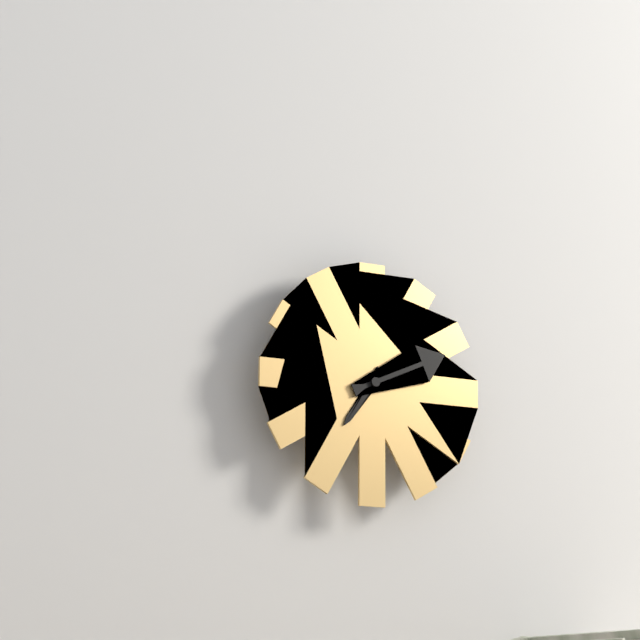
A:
7 h 11 min
